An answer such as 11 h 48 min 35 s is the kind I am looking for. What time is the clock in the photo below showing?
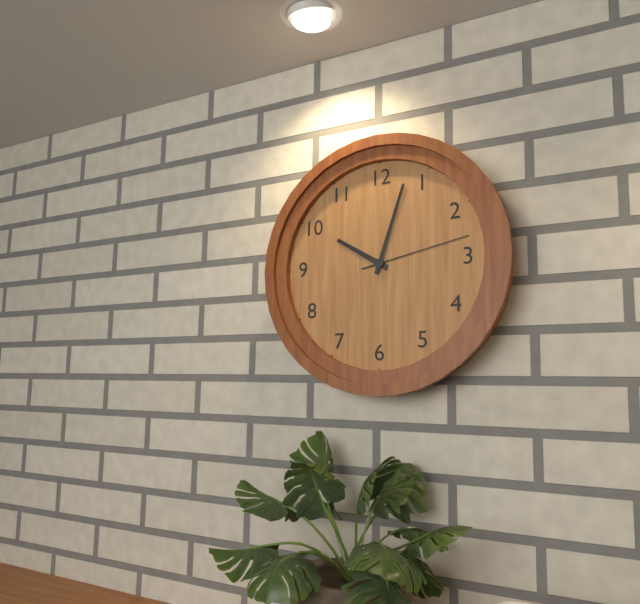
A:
10 h 03 min 13 s
